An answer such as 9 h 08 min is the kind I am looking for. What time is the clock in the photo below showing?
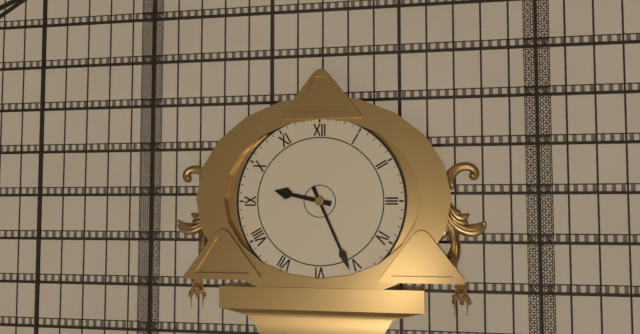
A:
9 h 26 min
